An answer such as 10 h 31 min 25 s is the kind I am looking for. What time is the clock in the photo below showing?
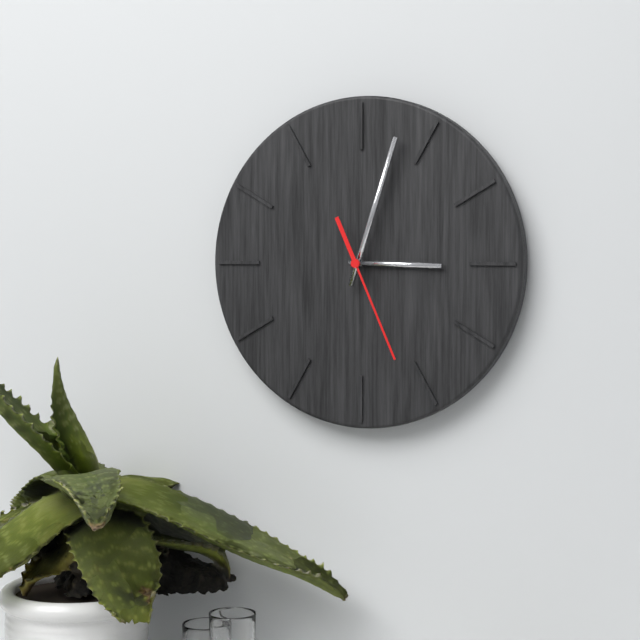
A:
3 h 03 min 26 s
